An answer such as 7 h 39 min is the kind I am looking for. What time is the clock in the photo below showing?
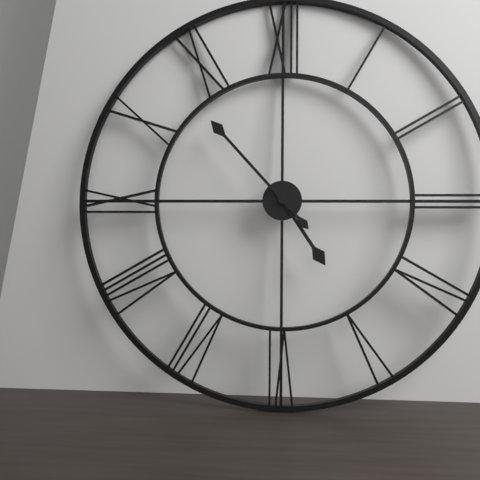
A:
4 h 53 min
